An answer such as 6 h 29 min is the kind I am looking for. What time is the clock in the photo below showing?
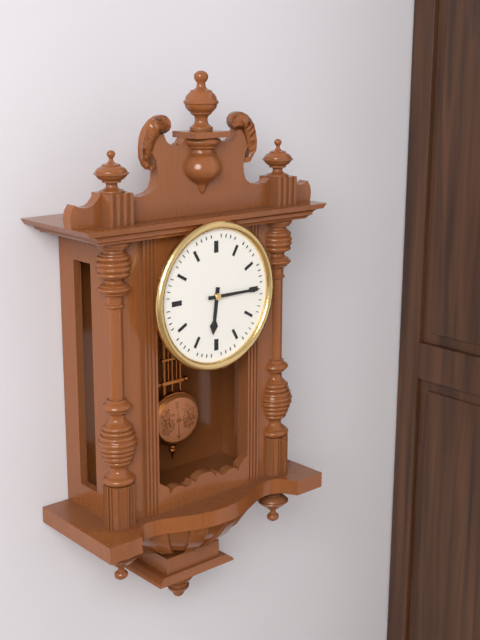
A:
6 h 15 min
